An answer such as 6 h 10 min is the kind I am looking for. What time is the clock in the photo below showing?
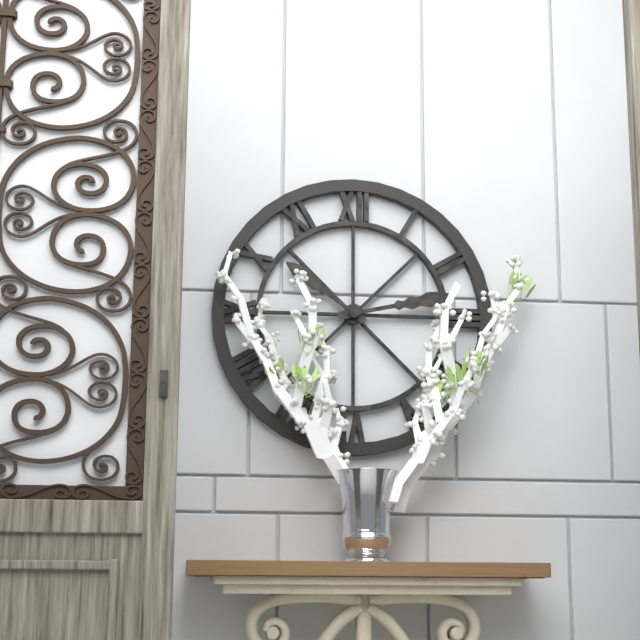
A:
10 h 13 min
